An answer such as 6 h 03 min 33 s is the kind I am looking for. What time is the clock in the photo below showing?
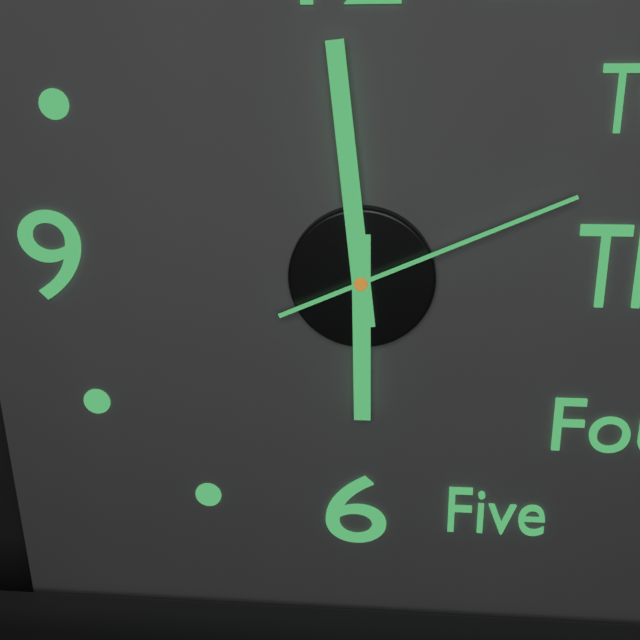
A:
5 h 59 min 11 s
